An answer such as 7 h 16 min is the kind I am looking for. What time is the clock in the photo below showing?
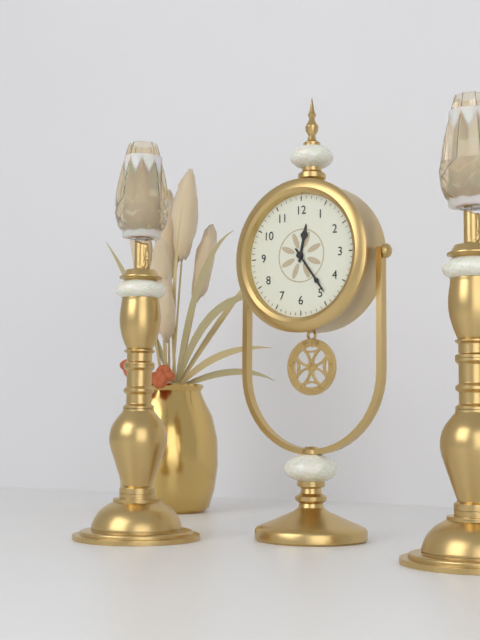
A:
12 h 24 min
